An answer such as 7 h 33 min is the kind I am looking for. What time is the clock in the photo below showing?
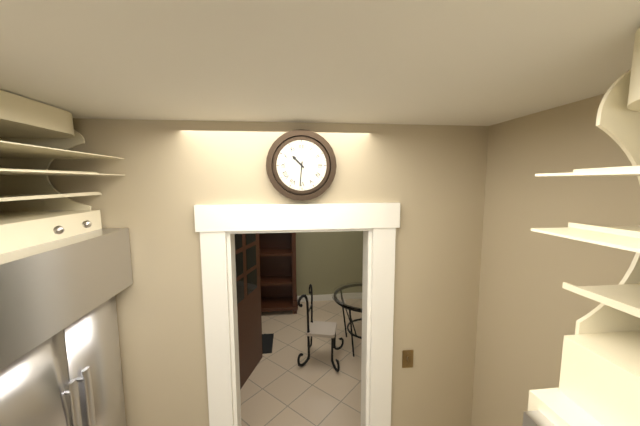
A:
10 h 31 min
